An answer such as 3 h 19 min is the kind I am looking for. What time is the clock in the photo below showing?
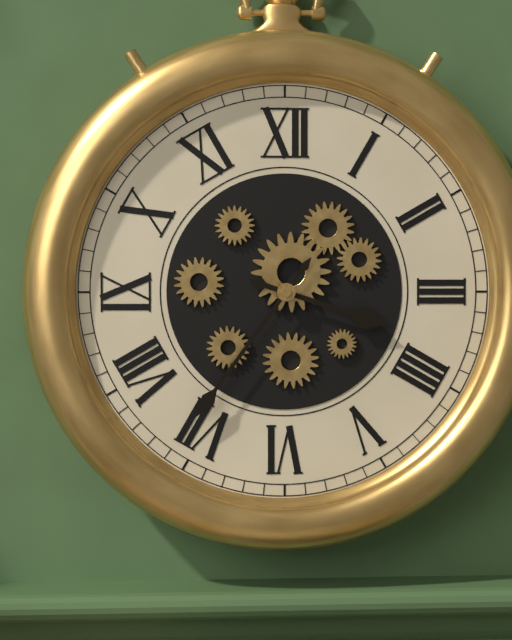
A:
3 h 36 min
